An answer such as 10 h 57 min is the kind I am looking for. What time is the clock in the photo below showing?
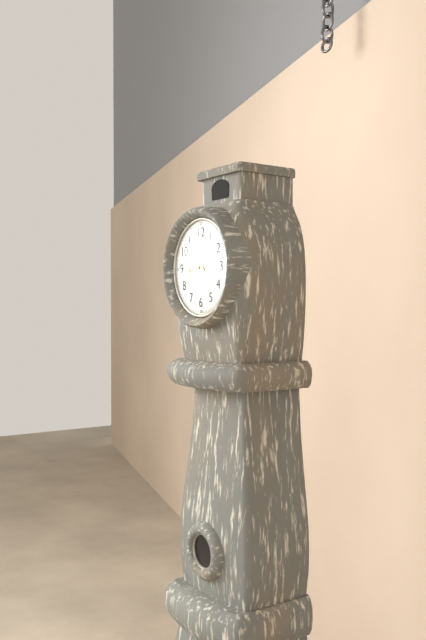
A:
8 h 48 min
